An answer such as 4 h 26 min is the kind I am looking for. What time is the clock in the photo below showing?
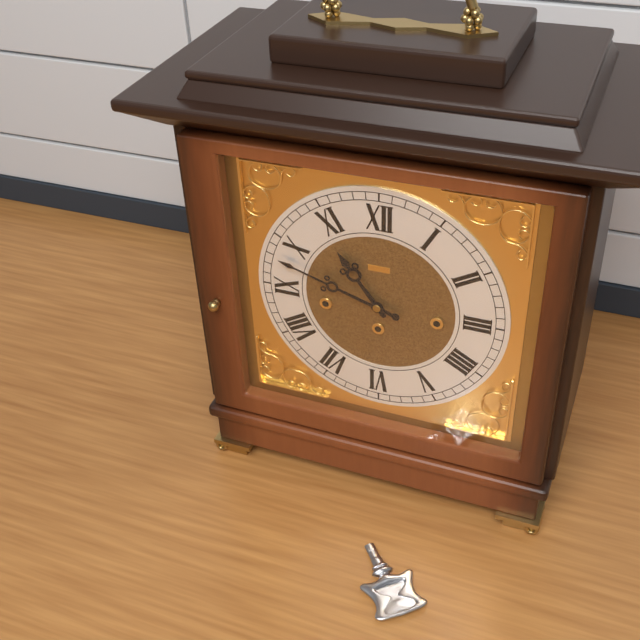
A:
10 h 48 min
